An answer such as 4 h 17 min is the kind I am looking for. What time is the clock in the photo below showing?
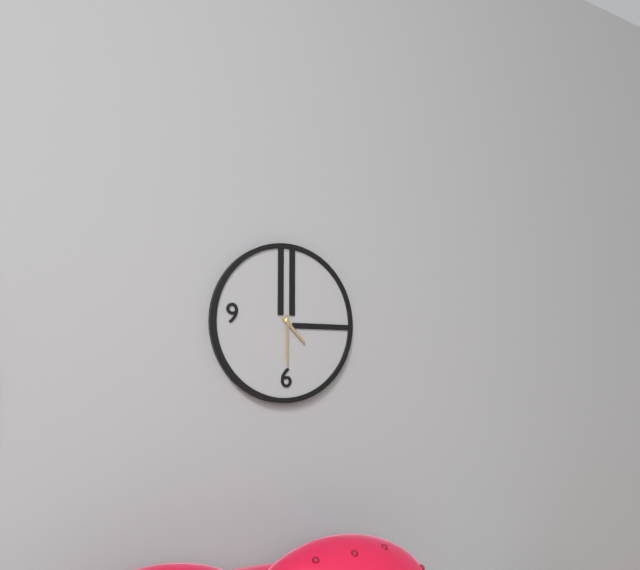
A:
4 h 30 min
